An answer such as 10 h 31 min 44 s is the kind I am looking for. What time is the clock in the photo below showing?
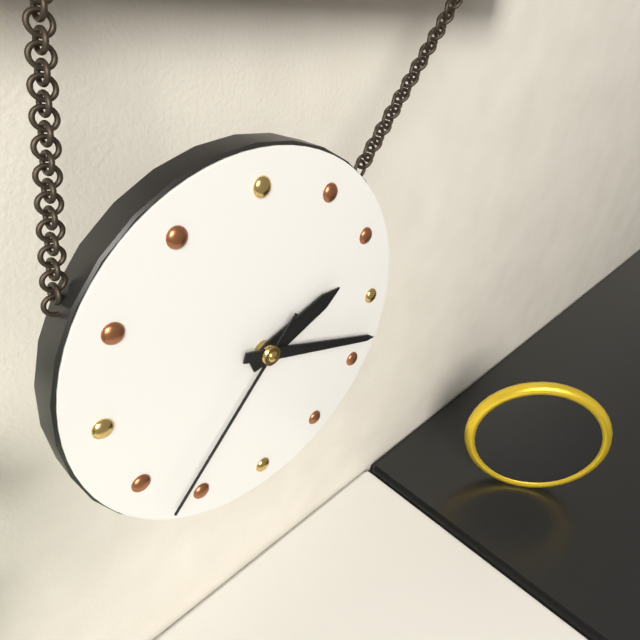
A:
2 h 18 min 37 s
